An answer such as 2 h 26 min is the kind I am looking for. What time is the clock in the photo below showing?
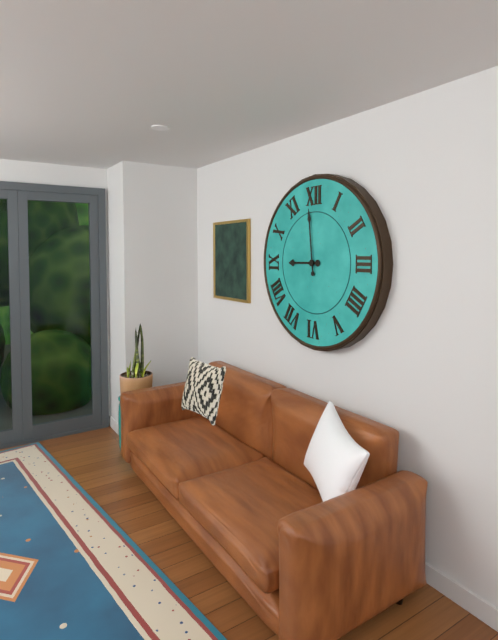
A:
8 h 59 min
